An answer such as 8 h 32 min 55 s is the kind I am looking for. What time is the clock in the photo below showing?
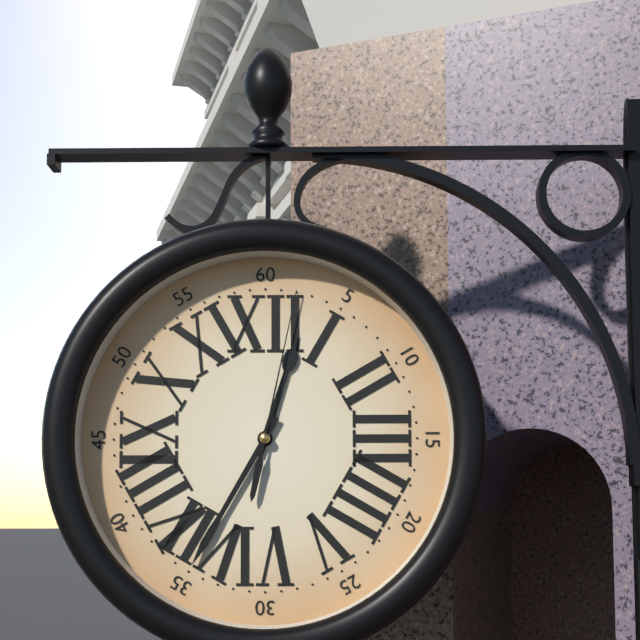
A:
12 h 35 min 02 s
